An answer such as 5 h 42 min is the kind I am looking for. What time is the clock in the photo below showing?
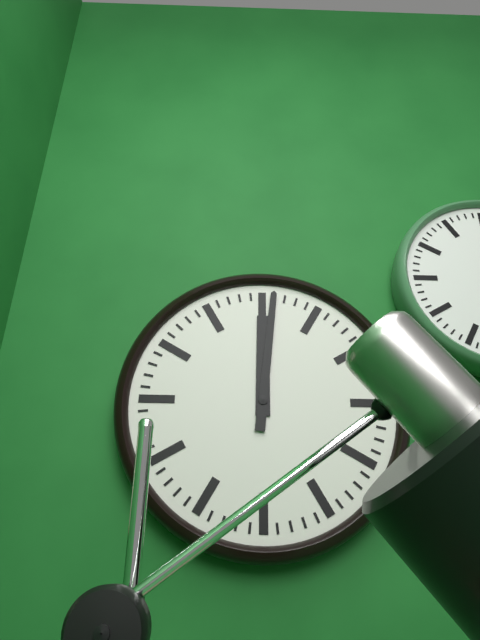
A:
12 h 01 min
